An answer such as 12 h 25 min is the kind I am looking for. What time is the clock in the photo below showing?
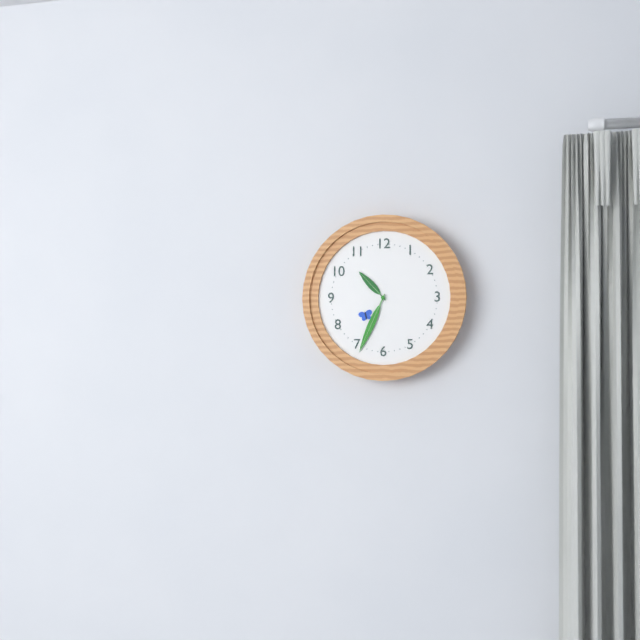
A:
10 h 34 min
